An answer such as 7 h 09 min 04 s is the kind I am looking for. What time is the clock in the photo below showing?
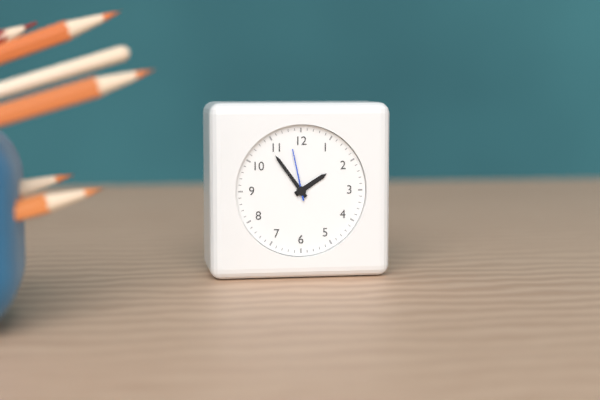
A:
1 h 54 min 58 s
